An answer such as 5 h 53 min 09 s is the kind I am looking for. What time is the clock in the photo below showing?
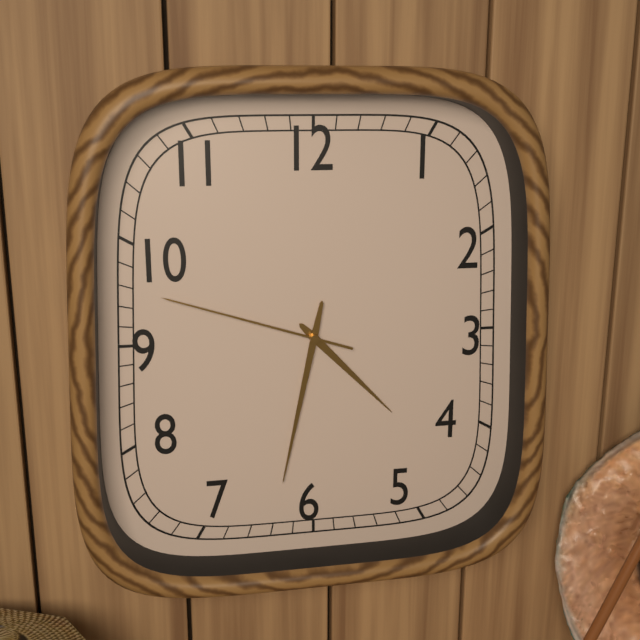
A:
4 h 32 min 48 s
